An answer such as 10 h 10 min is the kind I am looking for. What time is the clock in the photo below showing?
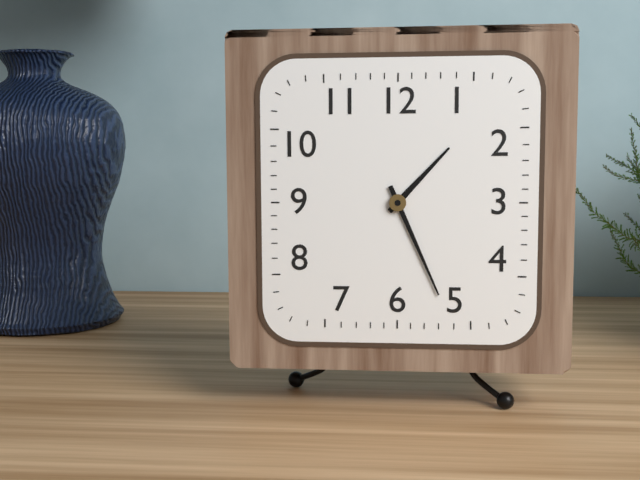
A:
1 h 26 min
